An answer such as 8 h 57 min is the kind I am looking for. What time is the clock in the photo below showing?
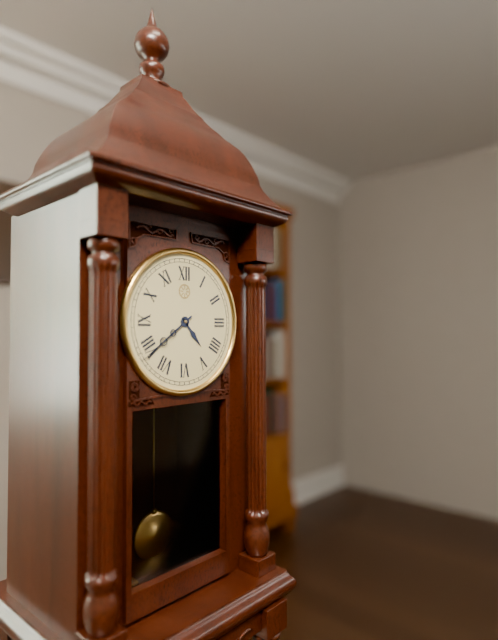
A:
4 h 39 min
